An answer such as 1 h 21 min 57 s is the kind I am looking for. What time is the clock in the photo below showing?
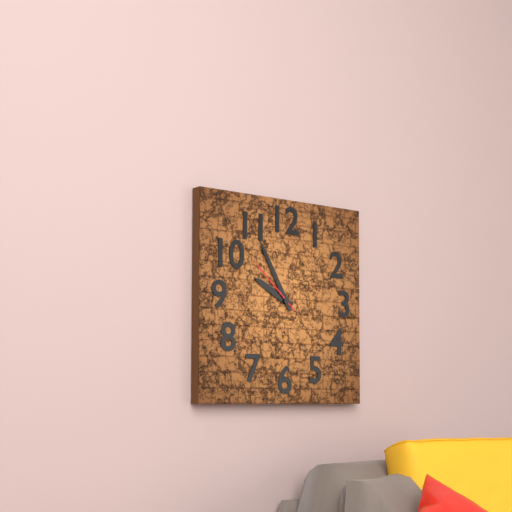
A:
9 h 55 min 52 s
